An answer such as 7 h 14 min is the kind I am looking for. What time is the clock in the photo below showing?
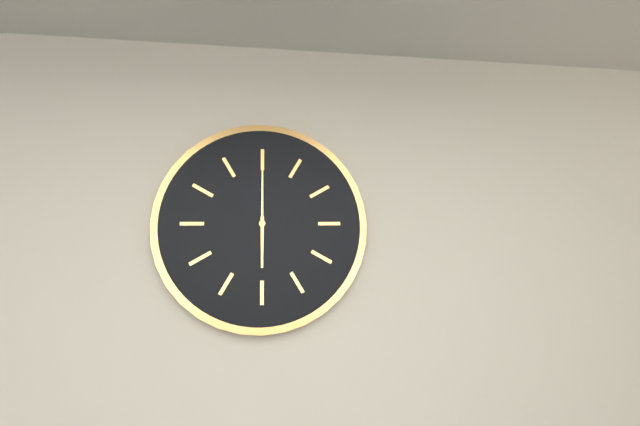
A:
6 h 00 min
